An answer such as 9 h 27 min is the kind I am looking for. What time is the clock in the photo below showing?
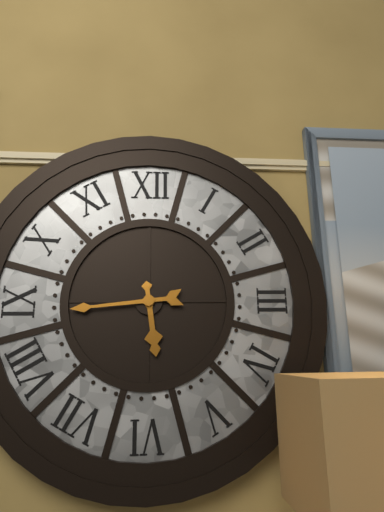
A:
5 h 44 min
